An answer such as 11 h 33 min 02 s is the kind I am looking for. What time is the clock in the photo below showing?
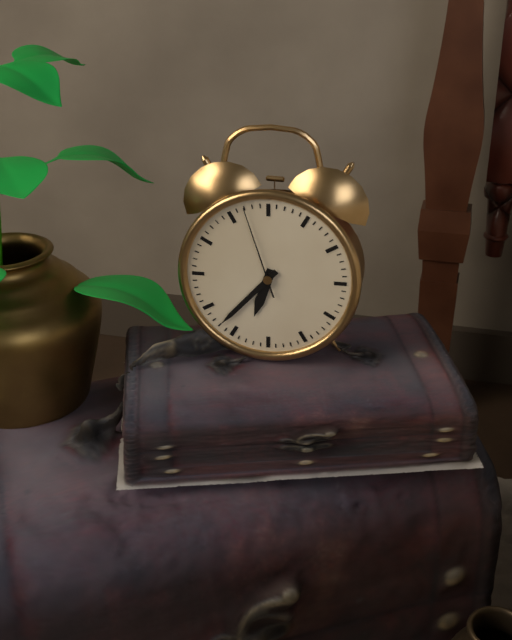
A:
6 h 37 min 57 s
